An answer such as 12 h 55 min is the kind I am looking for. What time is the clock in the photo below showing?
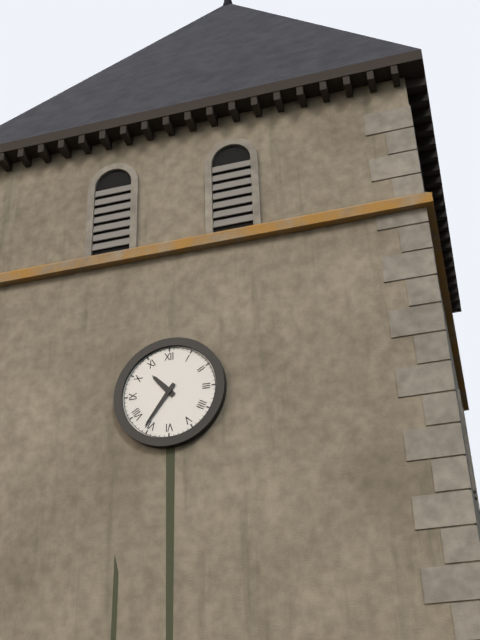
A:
10 h 36 min
